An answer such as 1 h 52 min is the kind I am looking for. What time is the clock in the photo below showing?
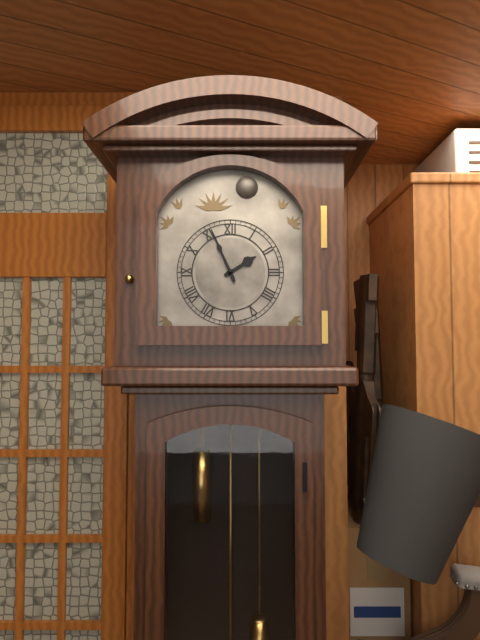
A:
1 h 56 min
